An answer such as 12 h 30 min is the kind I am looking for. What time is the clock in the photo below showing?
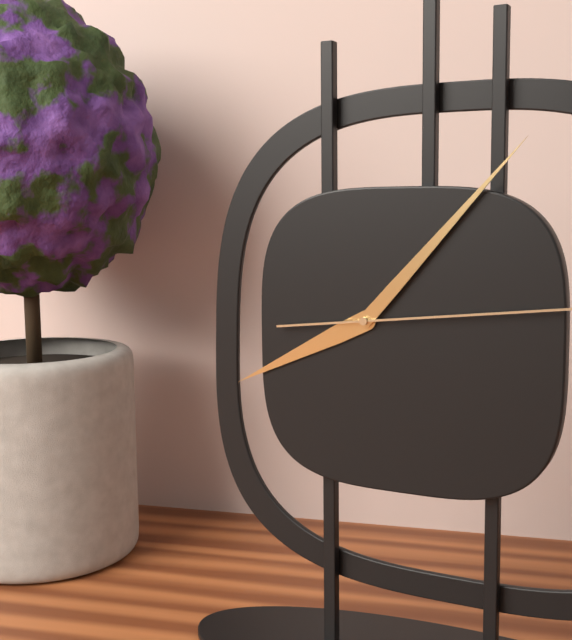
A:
8 h 07 min
